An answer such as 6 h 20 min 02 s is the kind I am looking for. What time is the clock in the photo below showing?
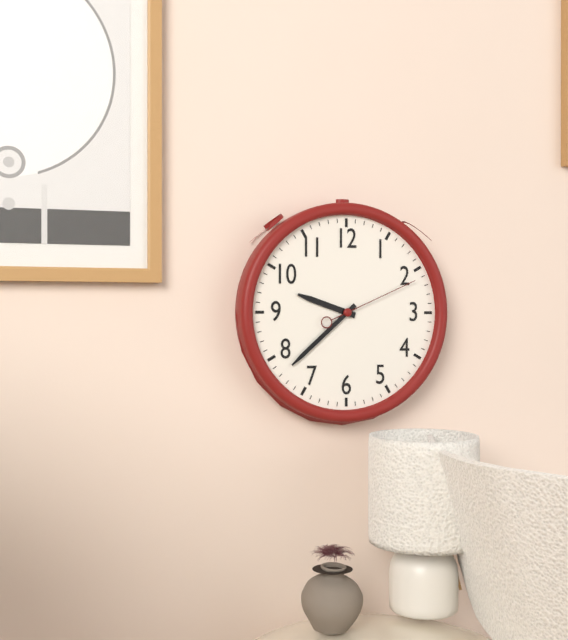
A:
9 h 38 min 11 s
